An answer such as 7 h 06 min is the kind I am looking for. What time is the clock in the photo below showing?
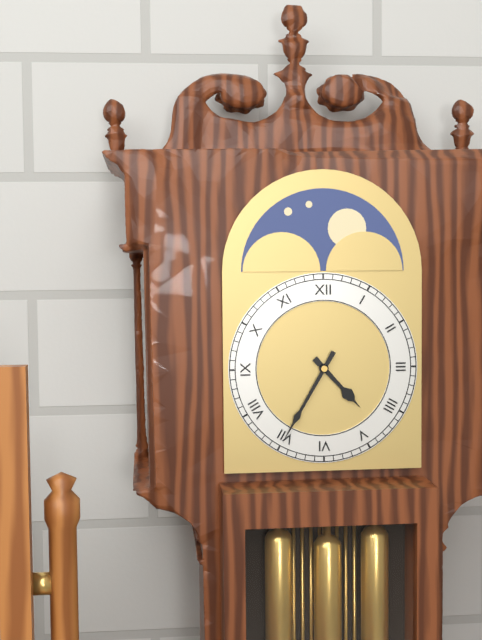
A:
4 h 35 min
